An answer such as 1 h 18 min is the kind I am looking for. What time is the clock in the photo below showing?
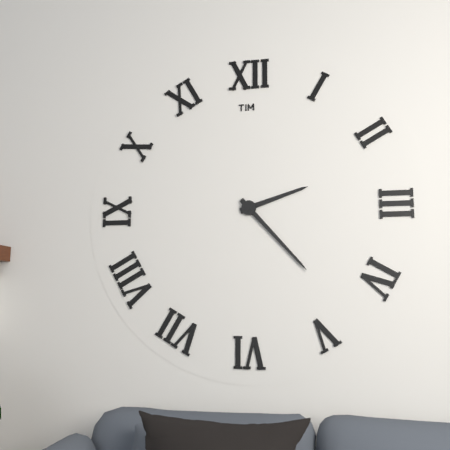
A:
2 h 23 min
